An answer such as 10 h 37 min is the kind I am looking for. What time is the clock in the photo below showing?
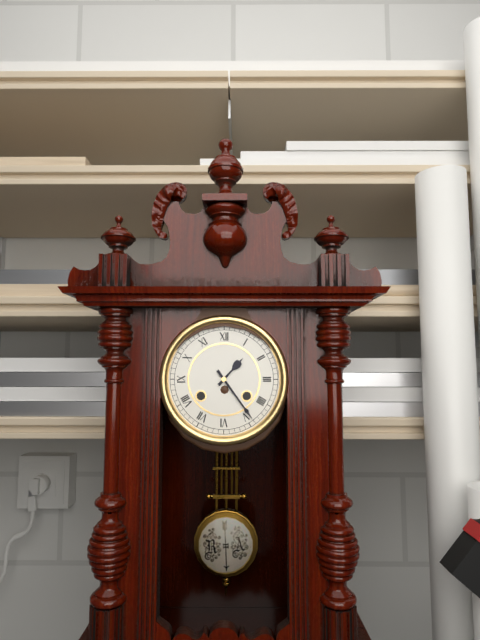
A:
1 h 24 min
